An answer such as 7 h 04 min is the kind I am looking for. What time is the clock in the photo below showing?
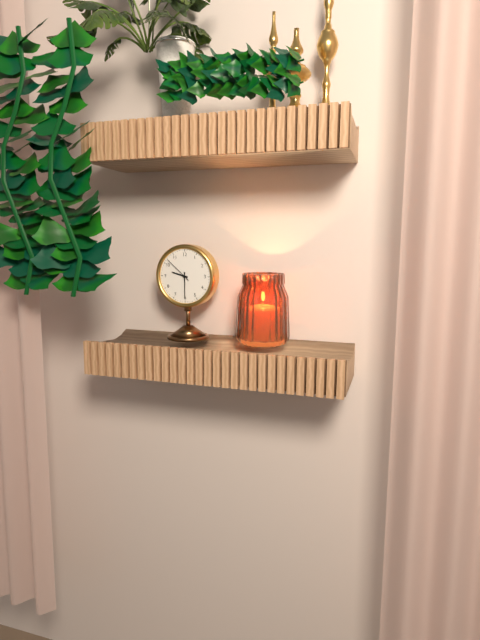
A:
9 h 30 min
